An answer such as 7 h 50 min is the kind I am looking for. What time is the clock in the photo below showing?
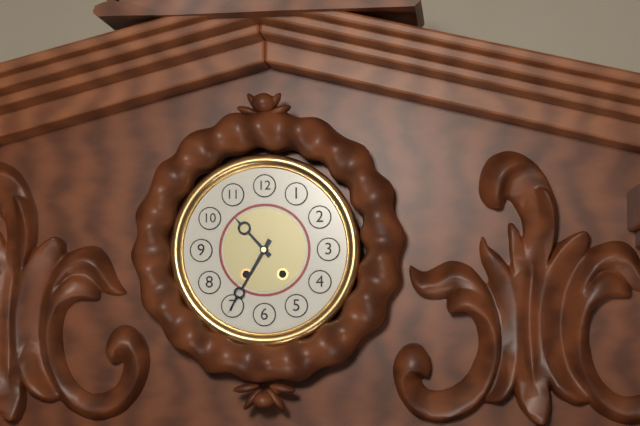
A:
10 h 35 min
